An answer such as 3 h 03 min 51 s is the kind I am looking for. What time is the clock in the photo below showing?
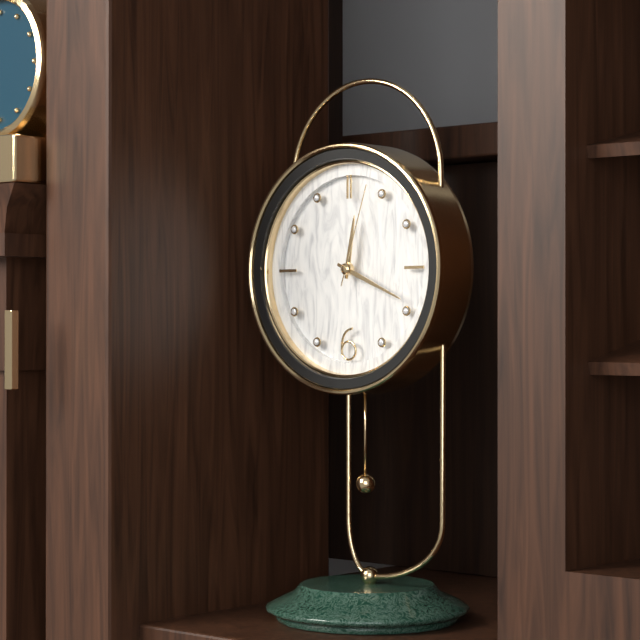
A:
12 h 19 min 03 s
